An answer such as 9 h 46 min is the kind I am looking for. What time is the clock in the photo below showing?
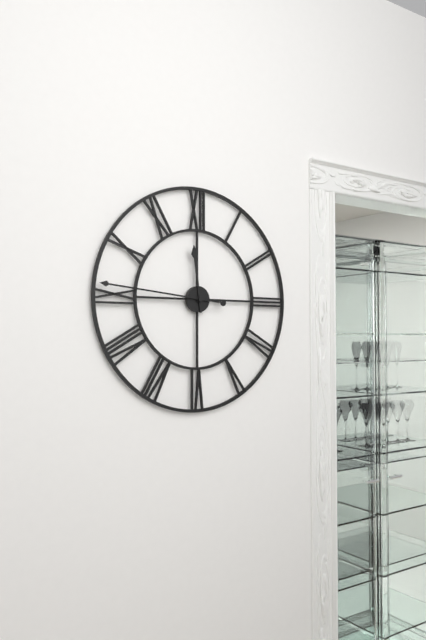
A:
11 h 46 min
